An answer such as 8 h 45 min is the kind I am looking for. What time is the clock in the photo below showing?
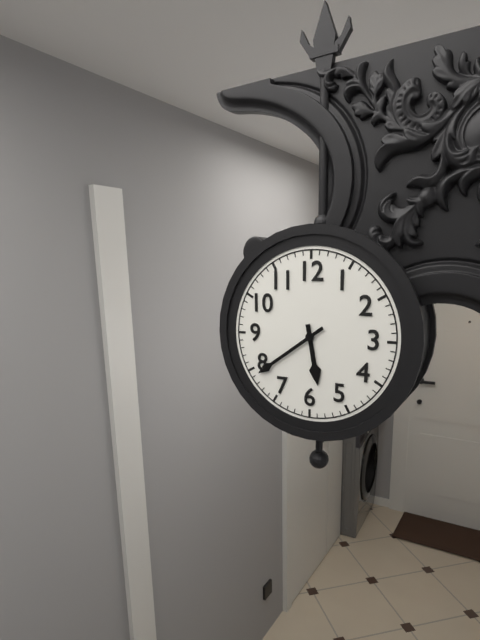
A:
5 h 39 min
